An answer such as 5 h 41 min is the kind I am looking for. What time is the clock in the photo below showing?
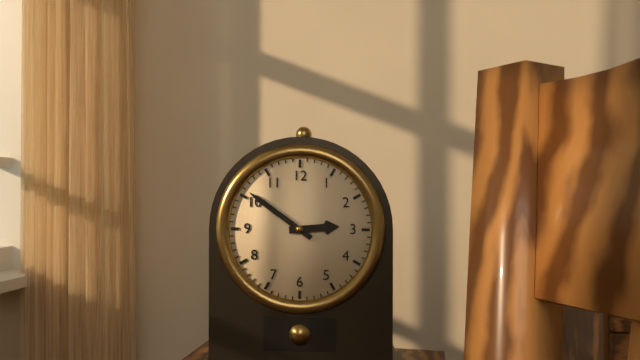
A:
2 h 51 min
